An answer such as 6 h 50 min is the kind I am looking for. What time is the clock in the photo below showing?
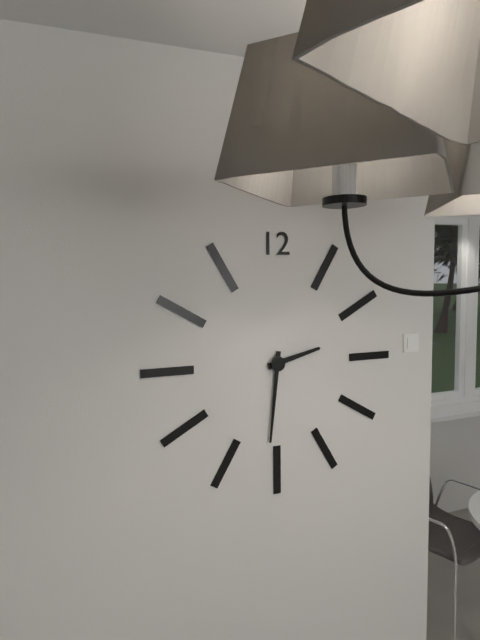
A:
2 h 31 min
